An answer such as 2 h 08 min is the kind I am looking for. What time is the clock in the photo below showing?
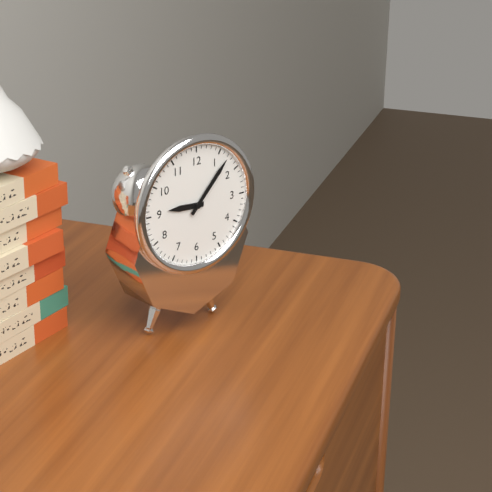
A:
9 h 07 min
